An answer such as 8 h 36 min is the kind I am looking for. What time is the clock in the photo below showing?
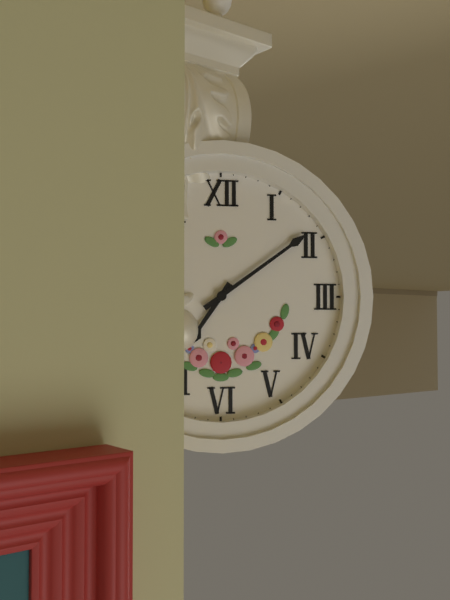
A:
7 h 09 min
